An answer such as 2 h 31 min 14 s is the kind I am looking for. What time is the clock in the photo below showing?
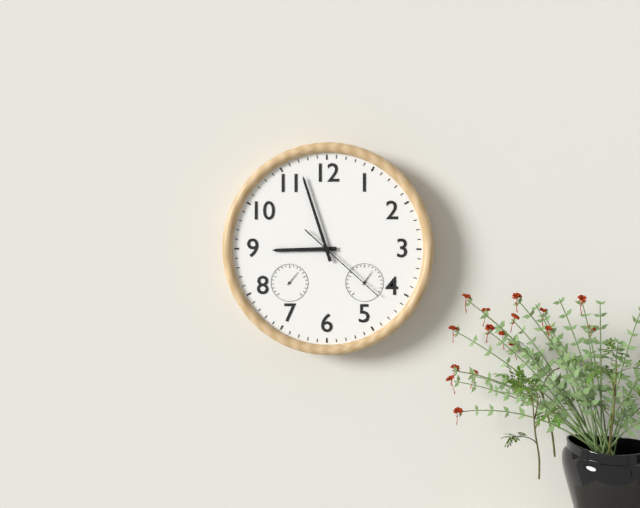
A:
8 h 57 min 22 s
